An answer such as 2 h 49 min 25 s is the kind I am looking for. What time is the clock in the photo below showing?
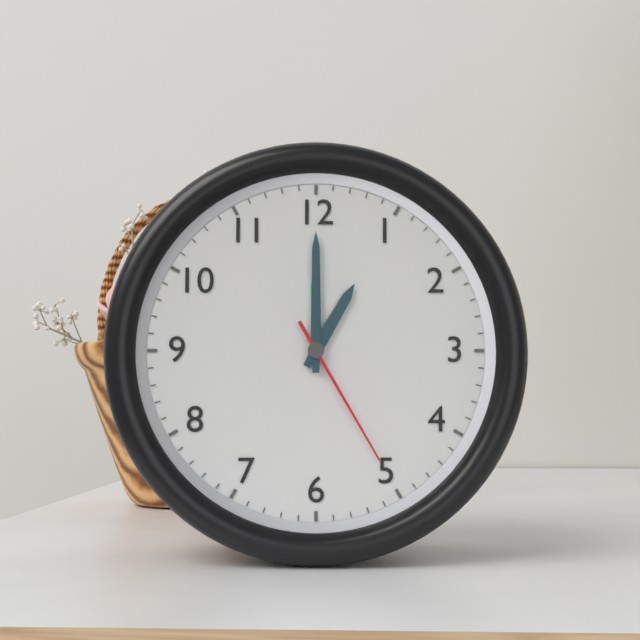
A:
1 h 00 min 25 s
